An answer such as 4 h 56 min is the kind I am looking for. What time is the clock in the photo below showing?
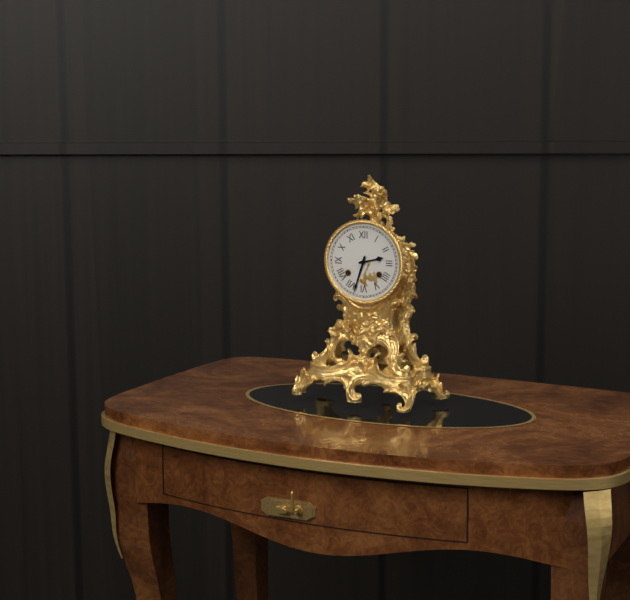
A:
2 h 33 min
